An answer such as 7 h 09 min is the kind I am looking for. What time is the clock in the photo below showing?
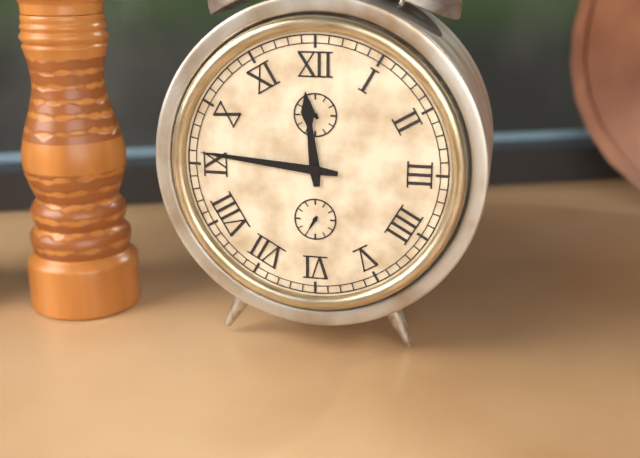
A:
11 h 46 min
